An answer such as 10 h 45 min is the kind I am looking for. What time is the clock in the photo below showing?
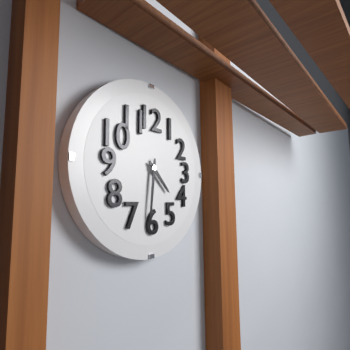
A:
4 h 31 min
